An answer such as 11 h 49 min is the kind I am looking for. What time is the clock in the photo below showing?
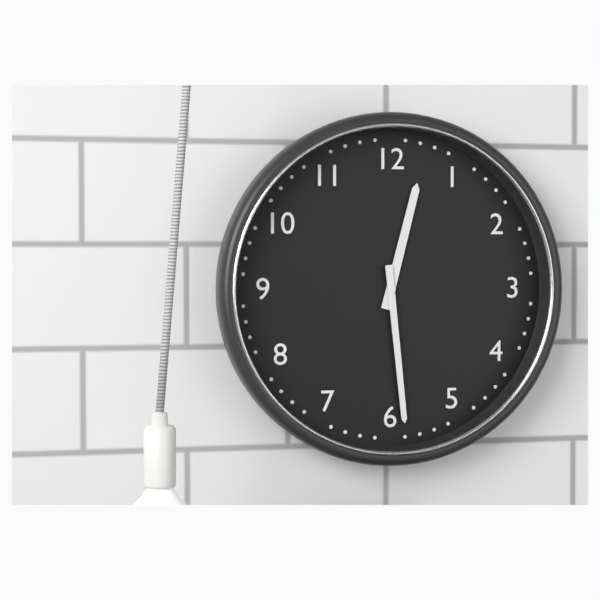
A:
12 h 29 min
